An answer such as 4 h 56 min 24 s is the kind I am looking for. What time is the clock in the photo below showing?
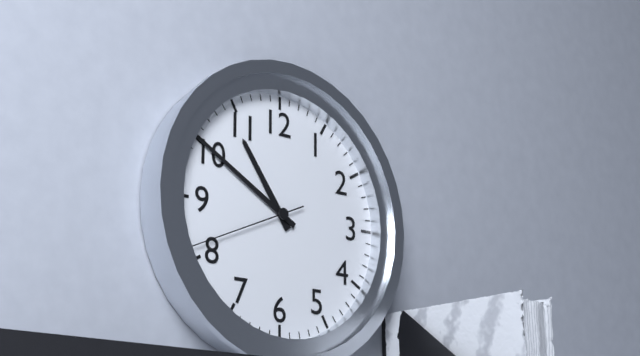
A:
10 h 50 min 41 s
